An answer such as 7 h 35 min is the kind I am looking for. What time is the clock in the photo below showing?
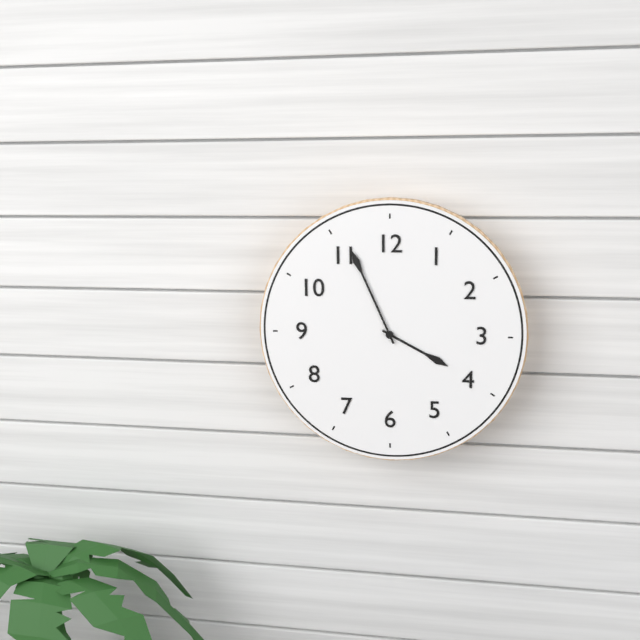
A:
3 h 56 min
